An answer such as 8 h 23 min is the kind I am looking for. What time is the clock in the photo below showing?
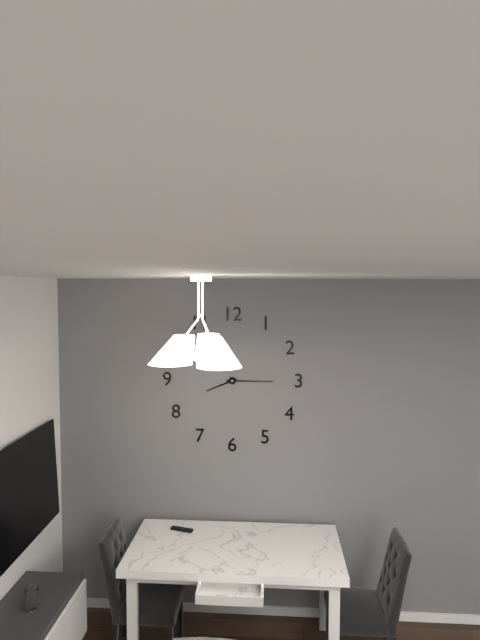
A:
8 h 15 min
